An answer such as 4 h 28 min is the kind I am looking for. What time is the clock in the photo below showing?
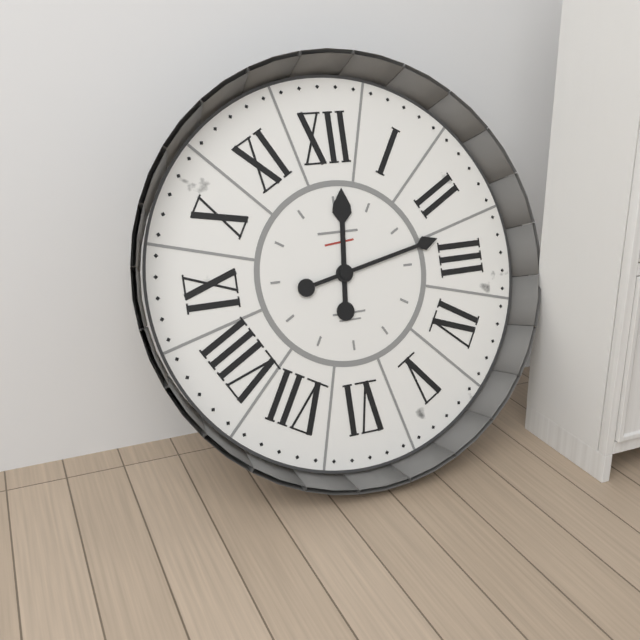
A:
12 h 13 min
